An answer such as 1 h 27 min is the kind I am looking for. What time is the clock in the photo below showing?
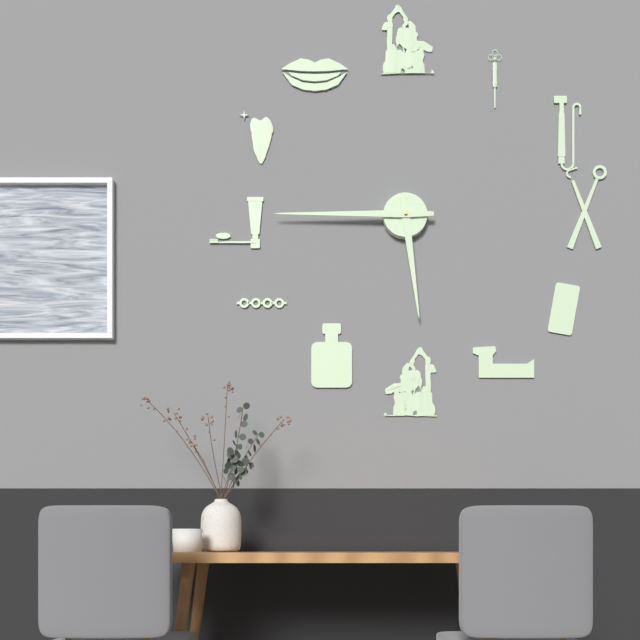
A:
5 h 45 min
